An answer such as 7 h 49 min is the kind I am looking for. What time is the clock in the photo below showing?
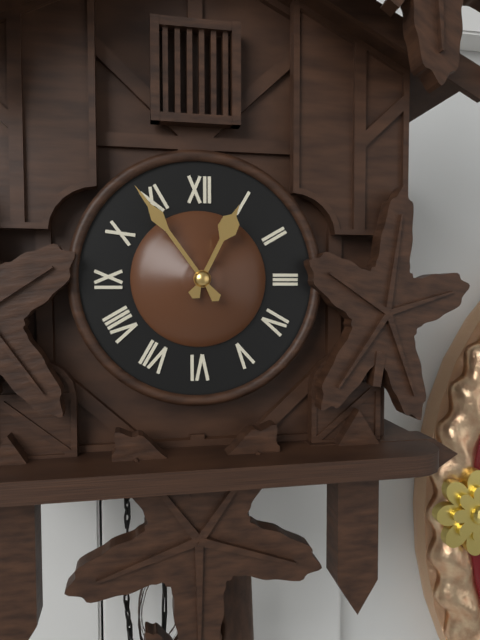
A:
12 h 54 min
